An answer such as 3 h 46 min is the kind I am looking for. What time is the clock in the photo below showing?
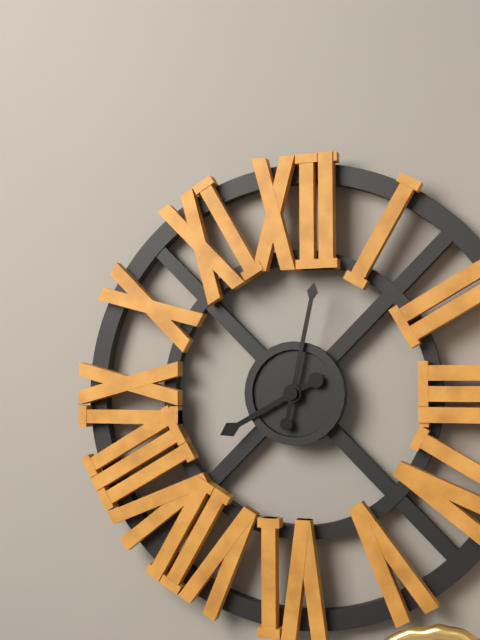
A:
8 h 02 min
